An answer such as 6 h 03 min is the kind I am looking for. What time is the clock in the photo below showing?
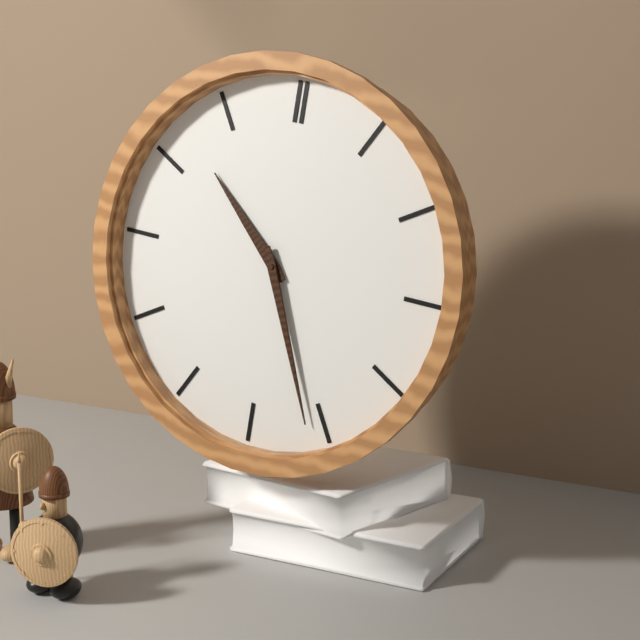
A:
10 h 26 min
